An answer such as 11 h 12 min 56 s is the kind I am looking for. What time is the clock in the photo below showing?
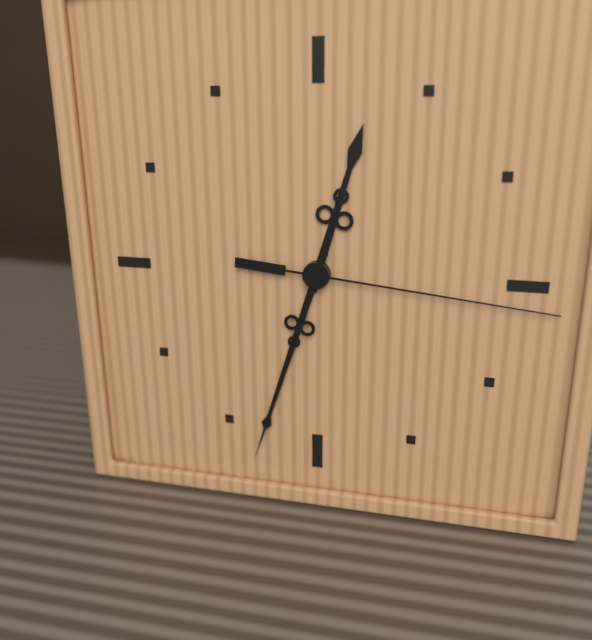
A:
12 h 33 min 16 s
